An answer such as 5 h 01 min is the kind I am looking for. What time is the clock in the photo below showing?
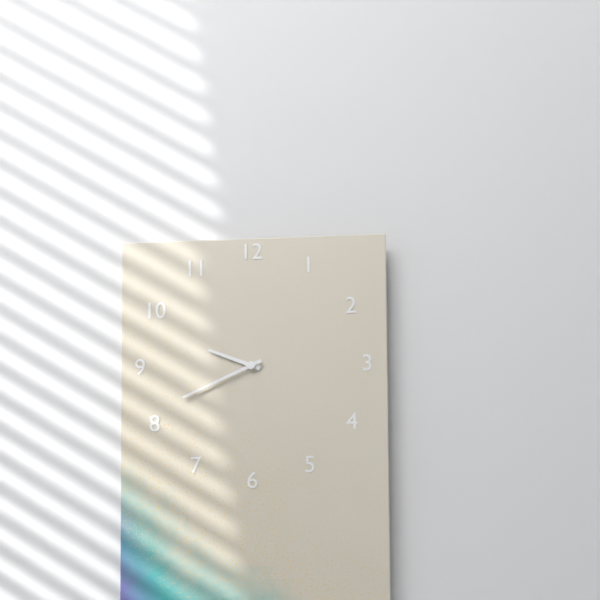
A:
9 h 41 min
